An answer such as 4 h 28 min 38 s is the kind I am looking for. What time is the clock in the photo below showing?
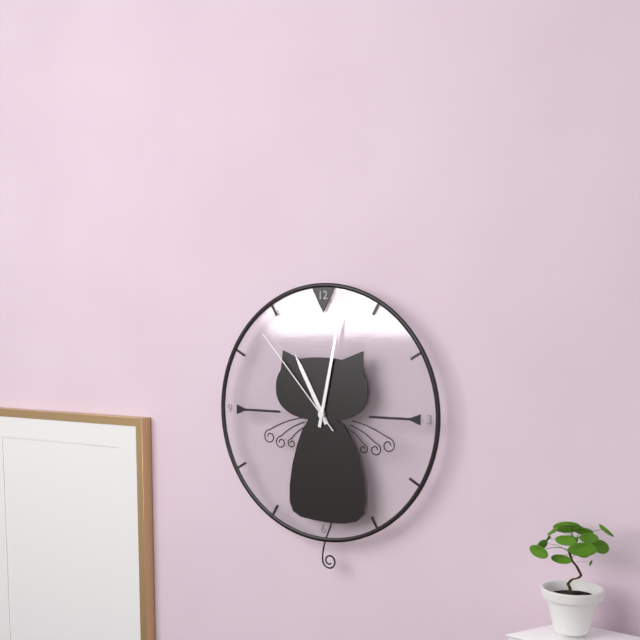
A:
11 h 02 min 53 s
